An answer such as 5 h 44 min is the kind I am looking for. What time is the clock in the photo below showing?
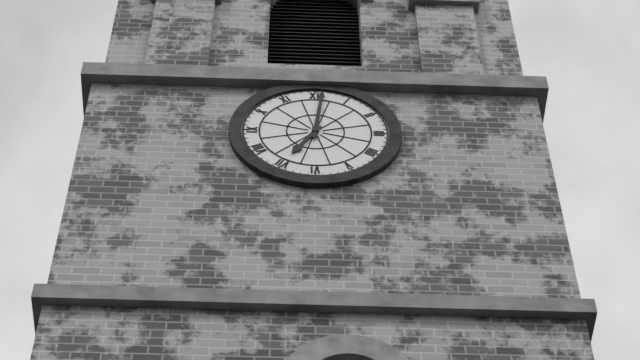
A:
7 h 01 min
